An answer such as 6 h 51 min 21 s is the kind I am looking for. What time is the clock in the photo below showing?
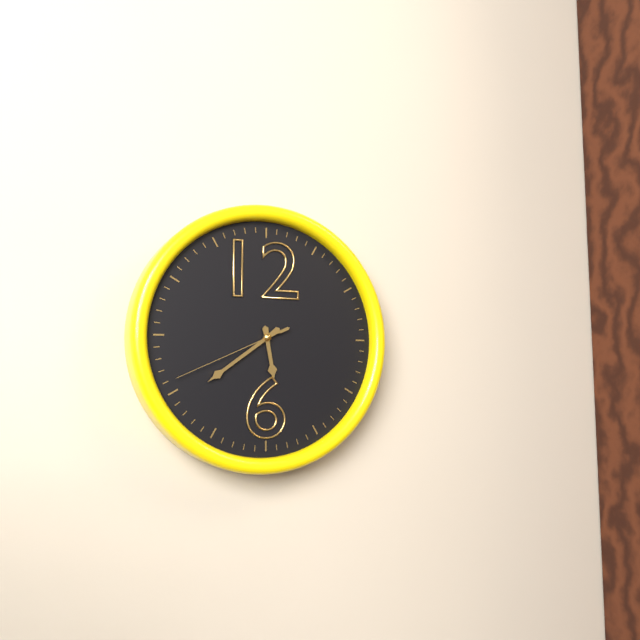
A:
5 h 39 min 41 s
